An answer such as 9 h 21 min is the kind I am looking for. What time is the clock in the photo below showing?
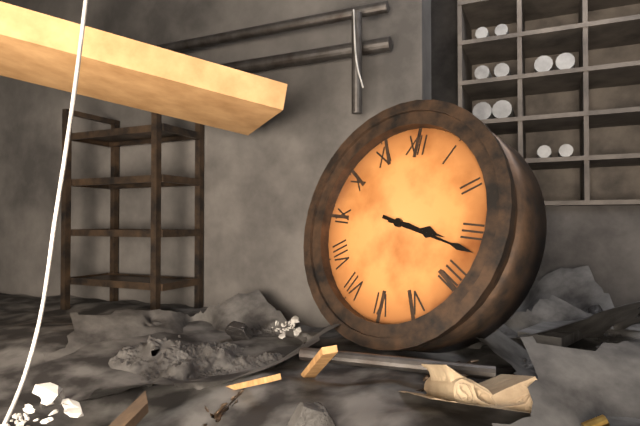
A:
3 h 17 min
